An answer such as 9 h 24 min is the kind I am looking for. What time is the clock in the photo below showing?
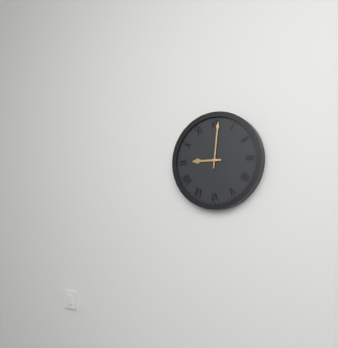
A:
9 h 01 min
